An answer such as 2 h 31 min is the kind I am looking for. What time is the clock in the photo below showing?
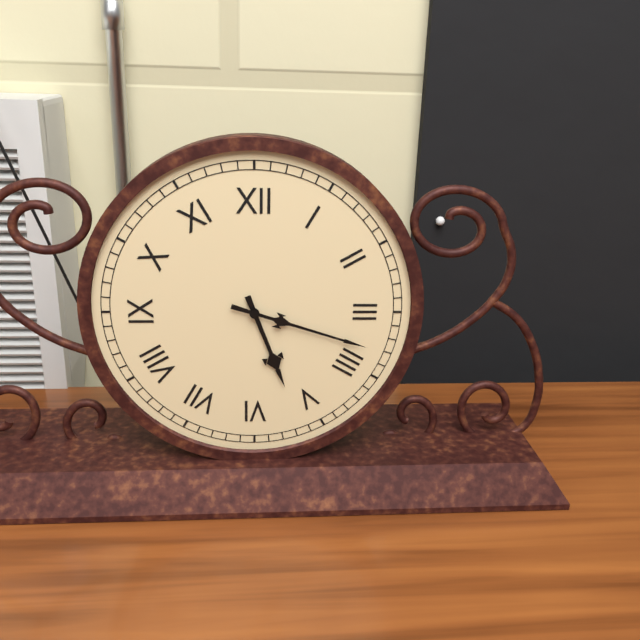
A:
5 h 18 min
